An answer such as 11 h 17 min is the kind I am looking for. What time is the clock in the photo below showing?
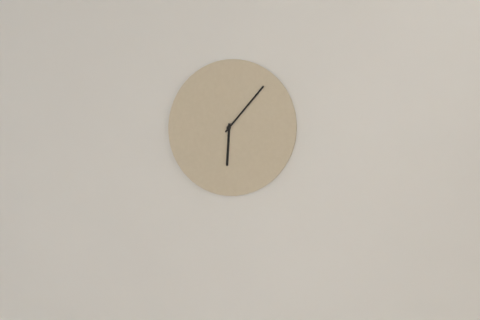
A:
6 h 07 min
